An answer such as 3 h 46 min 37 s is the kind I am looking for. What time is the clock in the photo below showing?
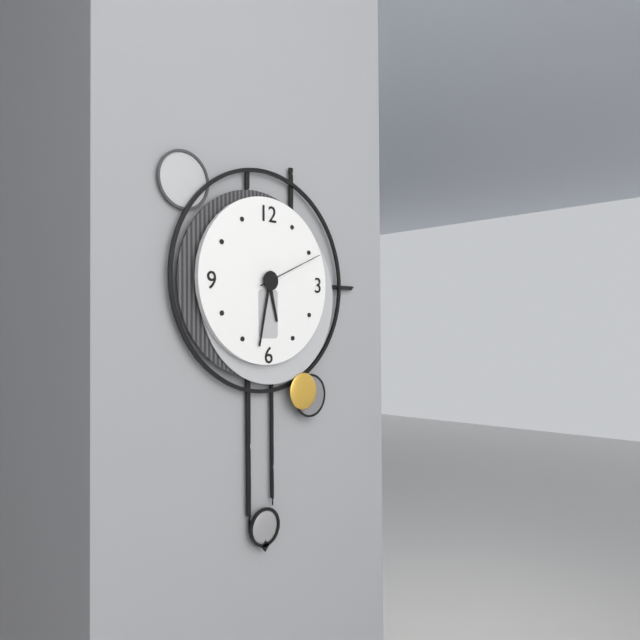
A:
5 h 32 min 11 s
